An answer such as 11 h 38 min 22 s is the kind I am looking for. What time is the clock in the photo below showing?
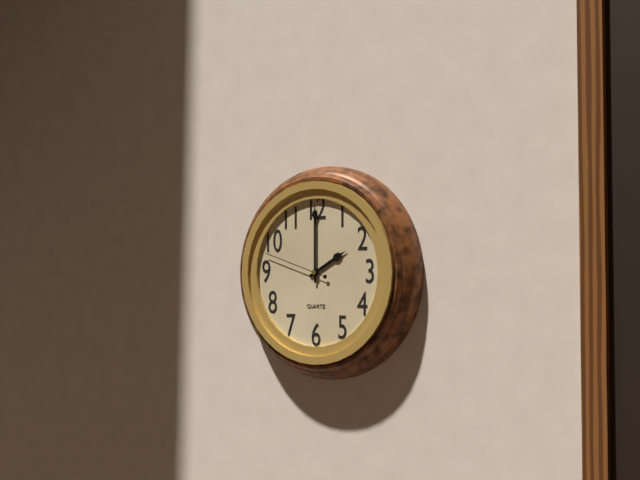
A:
2 h 00 min 48 s
